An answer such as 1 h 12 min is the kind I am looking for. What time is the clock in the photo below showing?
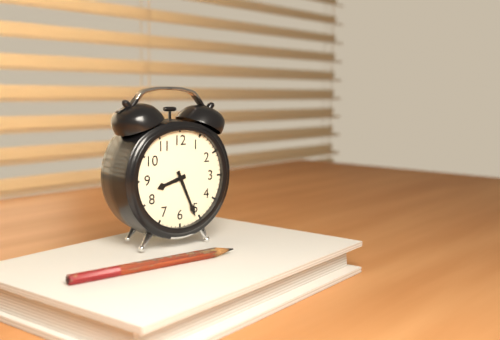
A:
8 h 26 min
